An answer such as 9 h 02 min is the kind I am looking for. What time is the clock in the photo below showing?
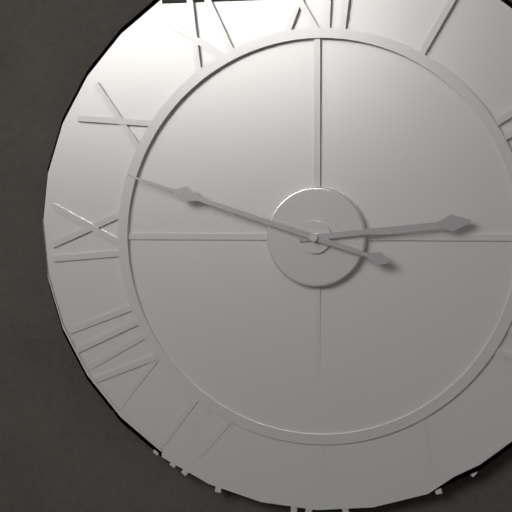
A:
2 h 48 min
